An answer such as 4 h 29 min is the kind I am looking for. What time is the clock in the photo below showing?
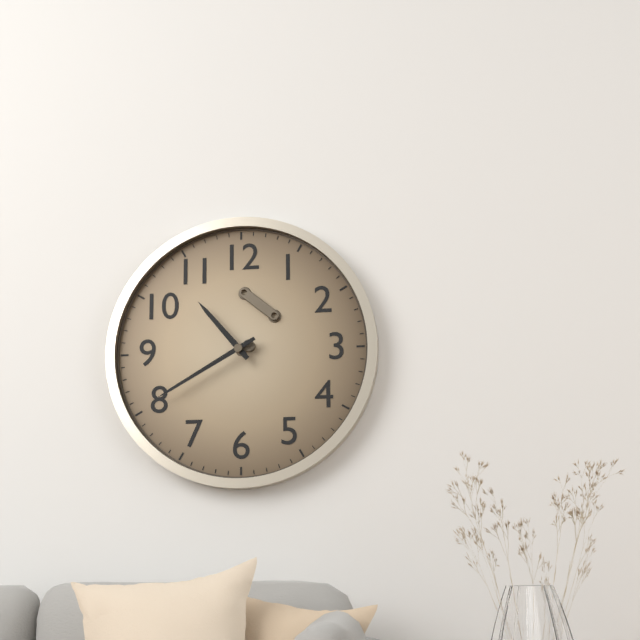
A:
10 h 40 min
